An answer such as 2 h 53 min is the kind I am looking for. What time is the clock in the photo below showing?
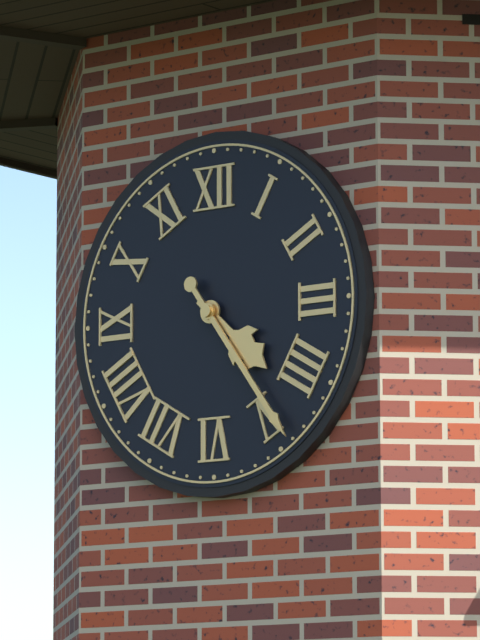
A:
4 h 24 min
